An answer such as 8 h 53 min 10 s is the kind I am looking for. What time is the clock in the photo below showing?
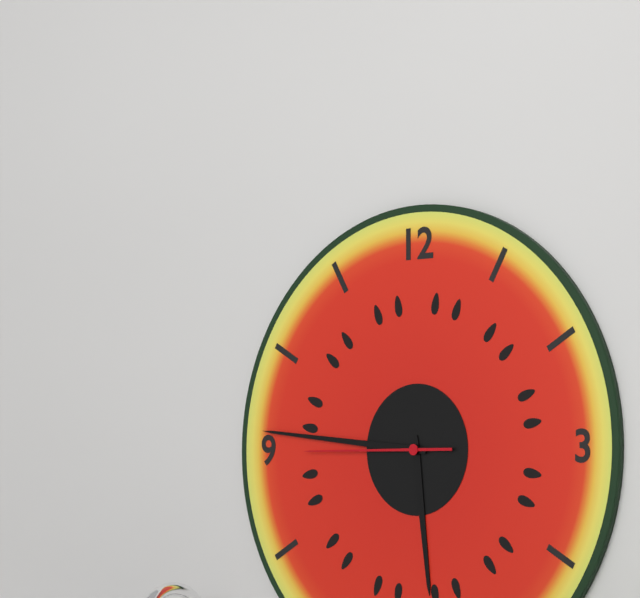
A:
5 h 46 min 45 s
